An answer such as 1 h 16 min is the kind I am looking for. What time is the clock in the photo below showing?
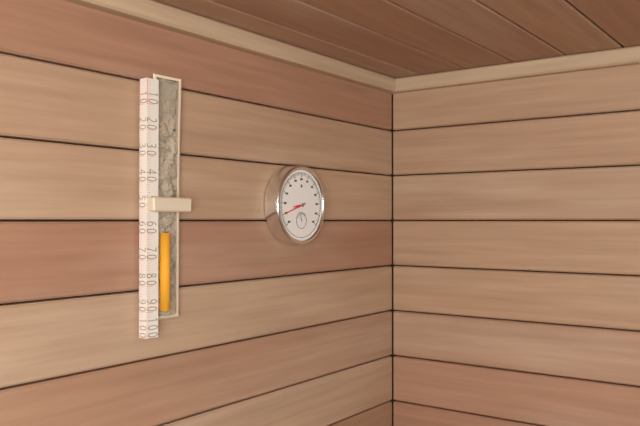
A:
8 h 42 min
